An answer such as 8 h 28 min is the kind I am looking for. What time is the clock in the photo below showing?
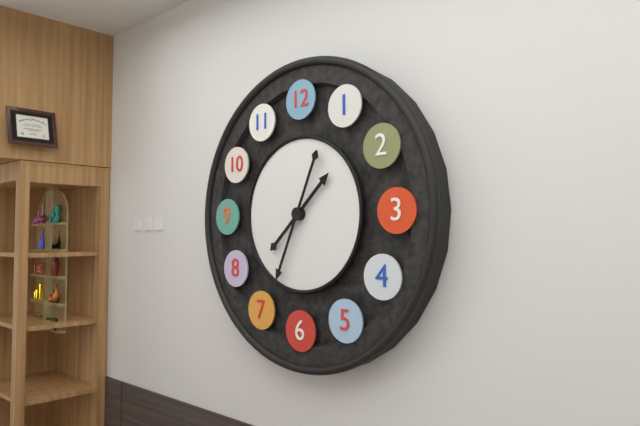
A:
1 h 34 min
